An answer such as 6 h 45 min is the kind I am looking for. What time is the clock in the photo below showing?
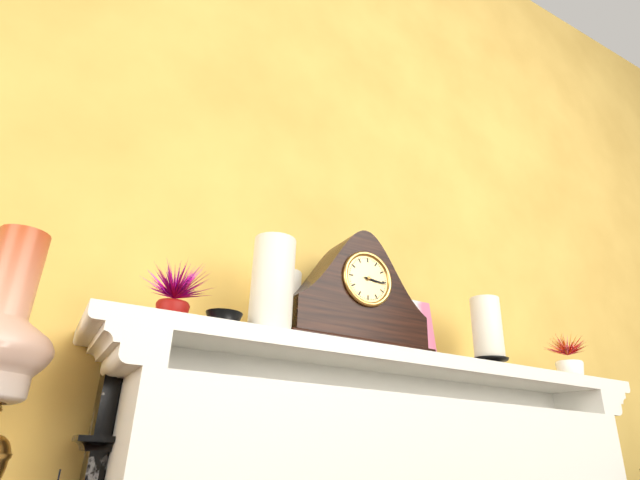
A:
3 h 16 min
